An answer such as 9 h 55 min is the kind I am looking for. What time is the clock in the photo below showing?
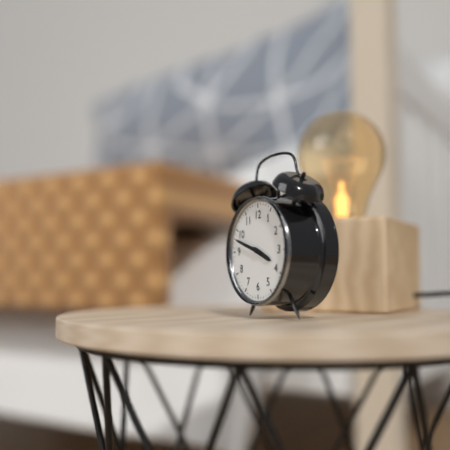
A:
3 h 48 min
